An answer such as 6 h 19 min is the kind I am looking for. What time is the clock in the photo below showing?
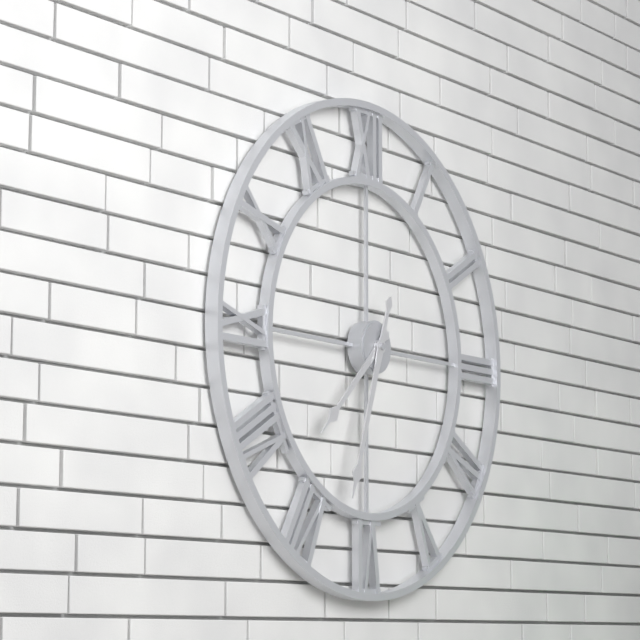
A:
7 h 33 min
